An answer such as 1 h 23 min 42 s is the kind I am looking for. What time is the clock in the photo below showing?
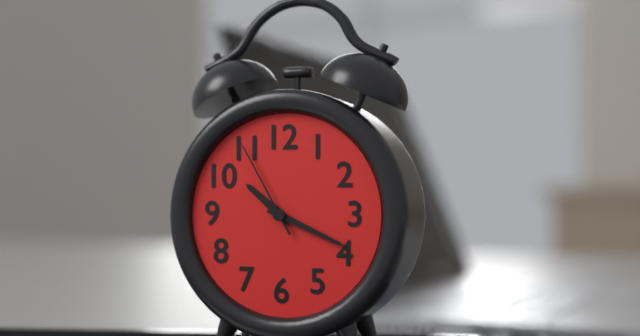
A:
10 h 19 min 55 s
